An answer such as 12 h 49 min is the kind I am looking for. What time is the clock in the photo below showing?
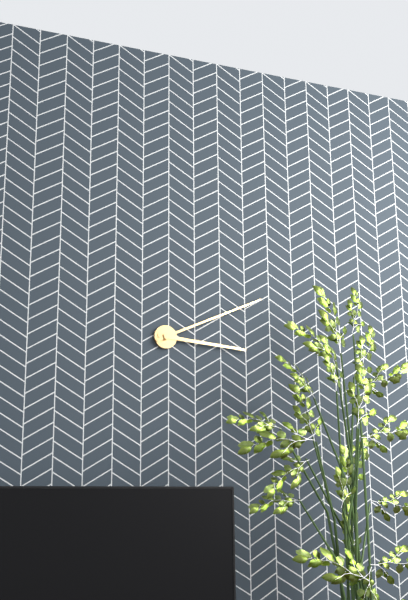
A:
3 h 11 min
